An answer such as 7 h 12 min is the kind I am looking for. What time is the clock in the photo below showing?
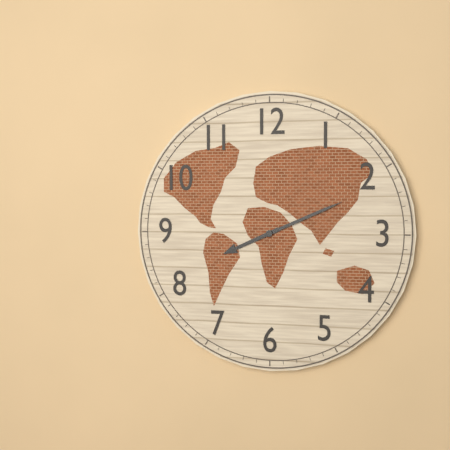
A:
8 h 11 min
